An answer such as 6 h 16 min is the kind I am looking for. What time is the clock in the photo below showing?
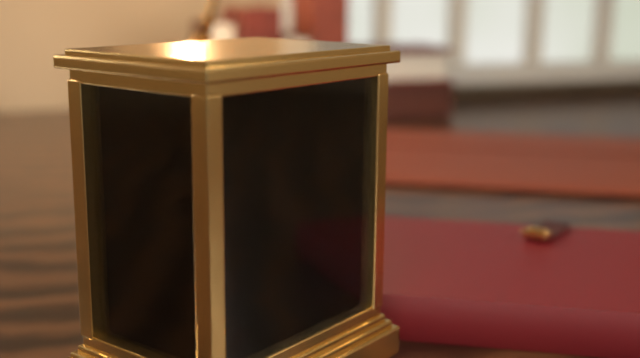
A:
1 h 04 min
